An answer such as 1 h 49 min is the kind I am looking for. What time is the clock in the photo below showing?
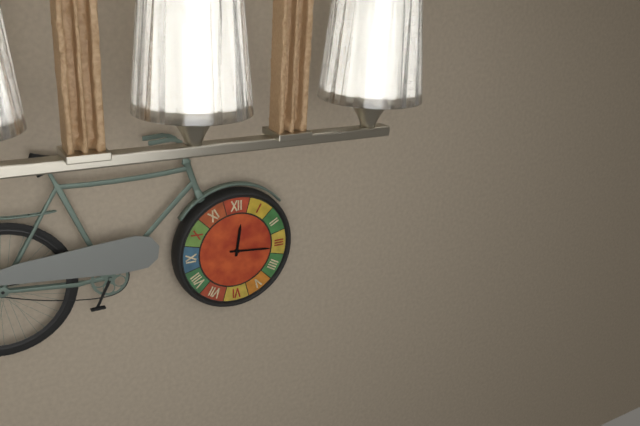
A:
12 h 16 min
